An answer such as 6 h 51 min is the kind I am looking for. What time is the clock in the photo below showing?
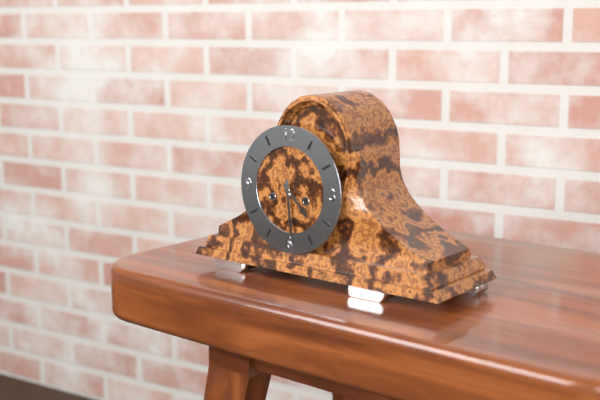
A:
4 h 29 min
